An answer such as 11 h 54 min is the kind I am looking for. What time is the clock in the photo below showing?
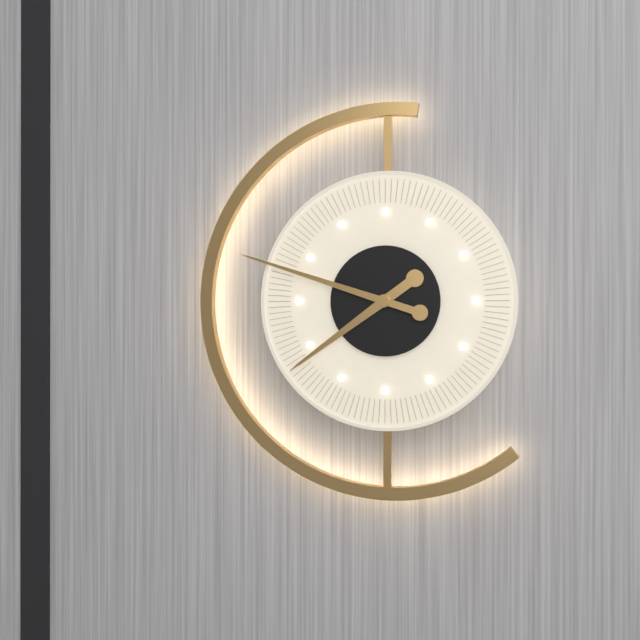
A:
7 h 48 min
